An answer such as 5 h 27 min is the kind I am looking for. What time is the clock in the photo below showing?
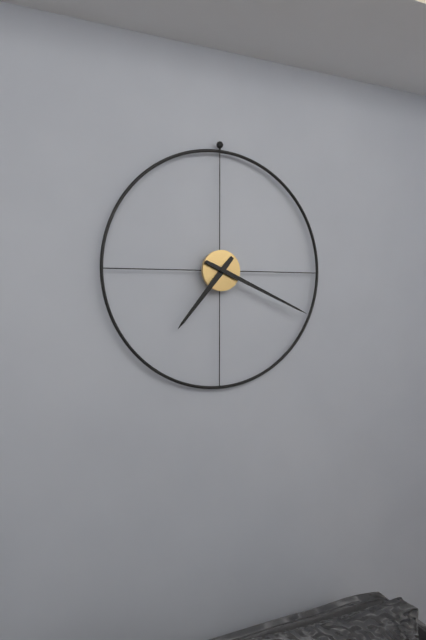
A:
7 h 19 min
